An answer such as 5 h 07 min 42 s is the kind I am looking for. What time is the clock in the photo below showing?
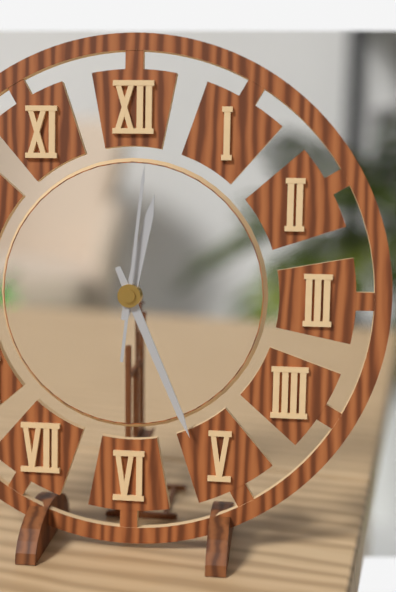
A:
12 h 26 min 01 s
